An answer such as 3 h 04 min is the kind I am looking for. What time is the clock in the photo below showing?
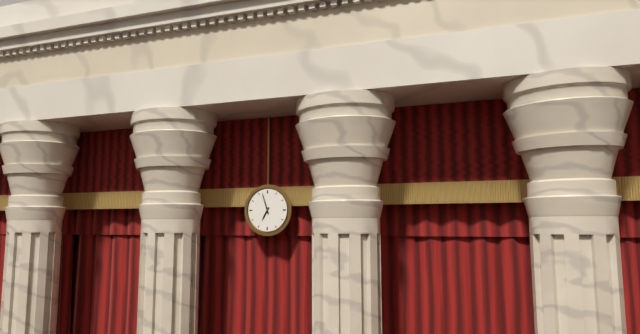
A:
6 h 57 min
